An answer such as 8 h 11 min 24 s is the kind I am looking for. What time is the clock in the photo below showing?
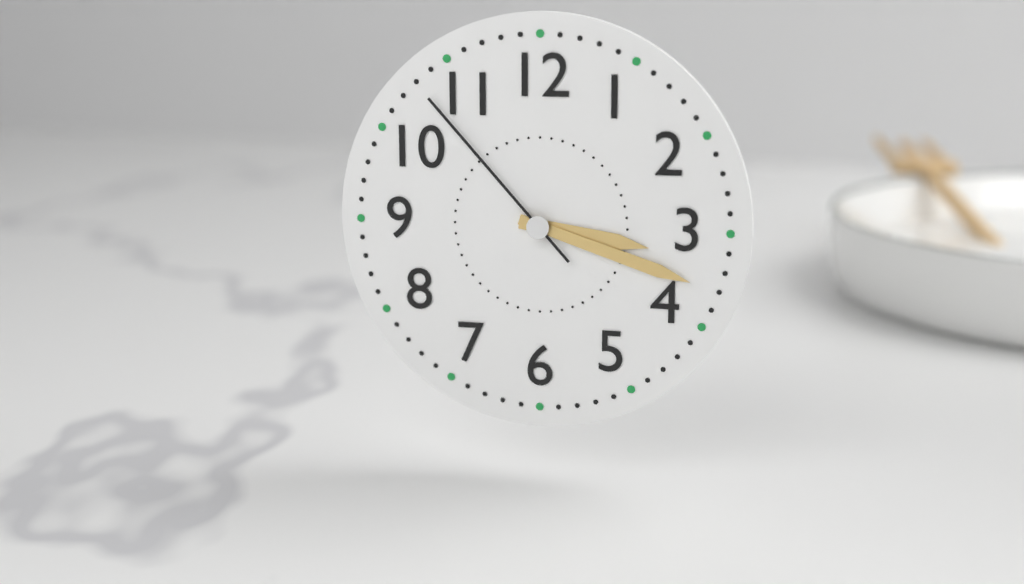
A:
3 h 18 min 53 s
